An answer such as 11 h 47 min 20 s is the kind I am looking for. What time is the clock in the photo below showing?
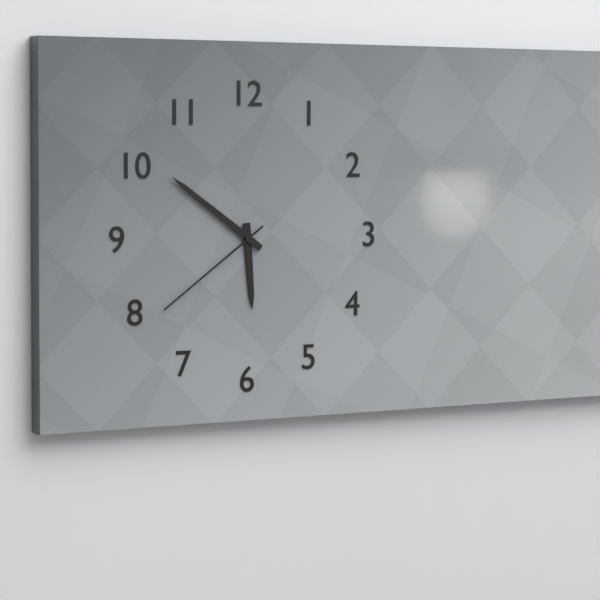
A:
5 h 51 min 39 s
